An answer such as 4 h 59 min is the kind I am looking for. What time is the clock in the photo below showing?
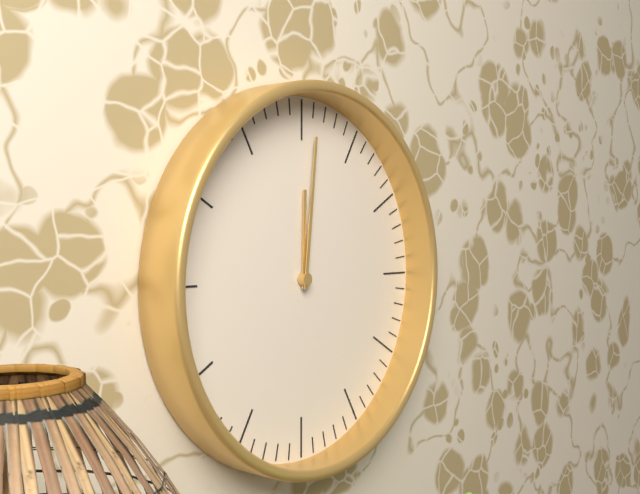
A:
12 h 01 min
